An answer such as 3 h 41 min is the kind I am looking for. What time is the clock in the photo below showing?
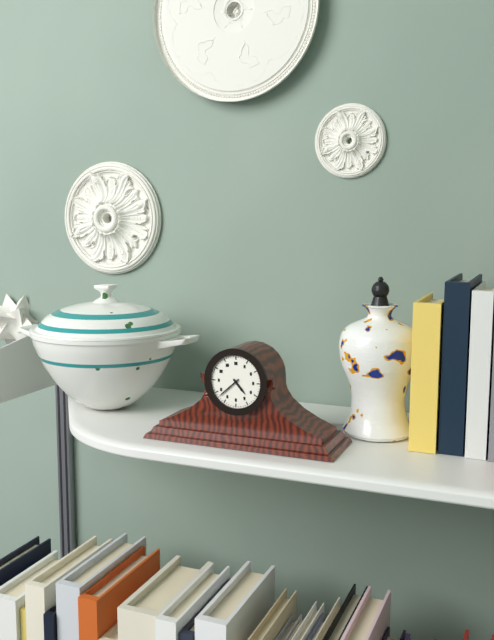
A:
4 h 38 min
